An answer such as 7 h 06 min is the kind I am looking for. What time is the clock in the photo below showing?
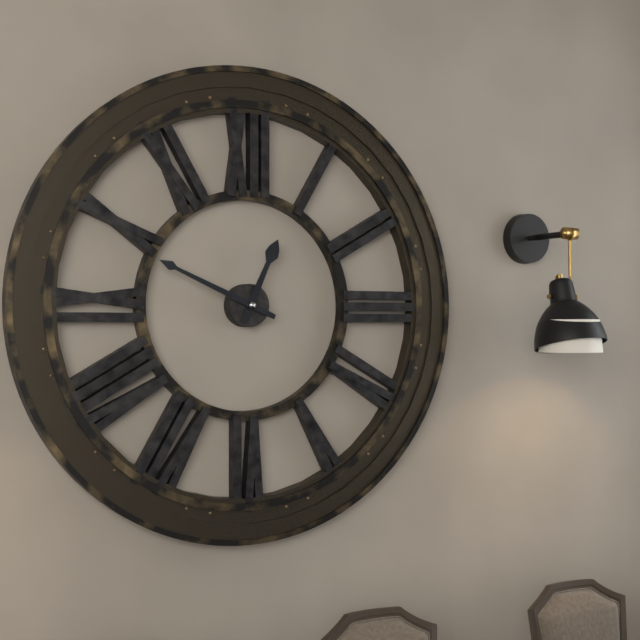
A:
12 h 49 min
